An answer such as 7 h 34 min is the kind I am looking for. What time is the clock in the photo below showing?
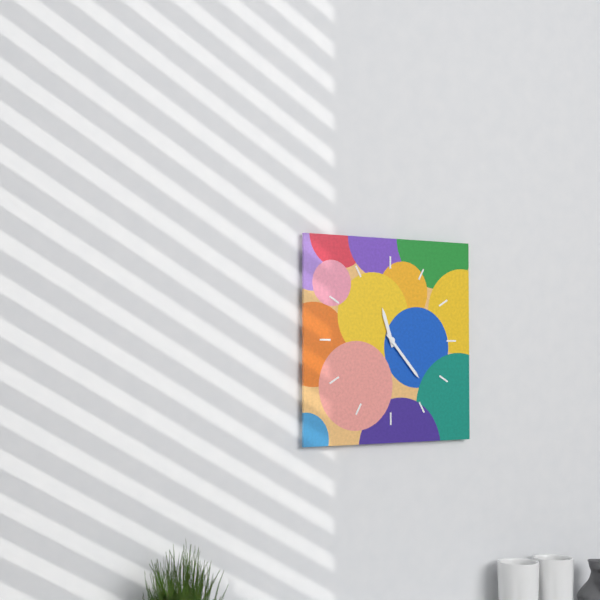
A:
11 h 23 min
